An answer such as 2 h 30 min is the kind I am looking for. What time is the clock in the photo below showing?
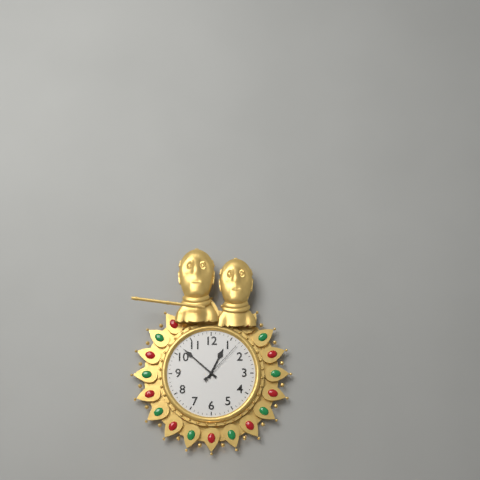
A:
12 h 52 min
